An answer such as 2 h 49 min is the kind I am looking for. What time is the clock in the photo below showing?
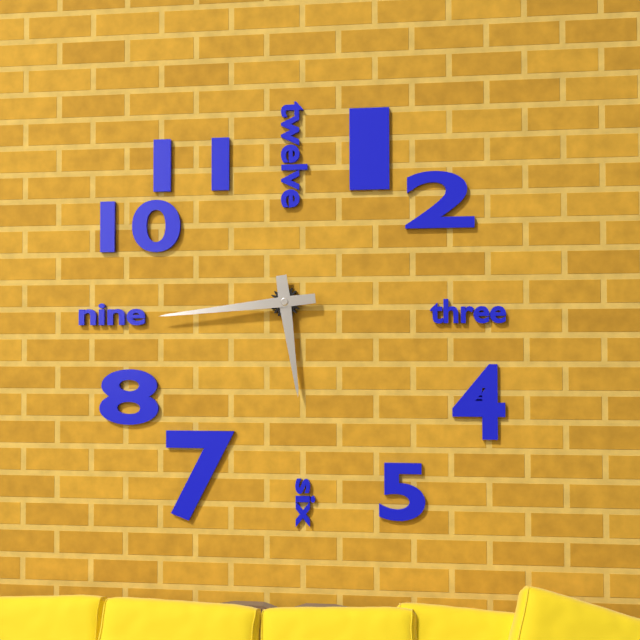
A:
5 h 44 min
